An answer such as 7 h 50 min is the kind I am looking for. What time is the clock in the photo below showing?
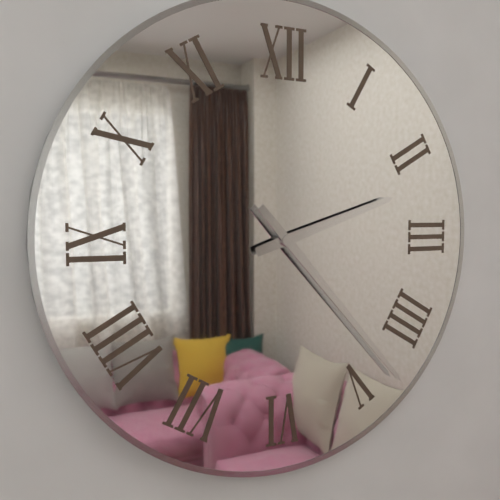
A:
2 h 23 min
